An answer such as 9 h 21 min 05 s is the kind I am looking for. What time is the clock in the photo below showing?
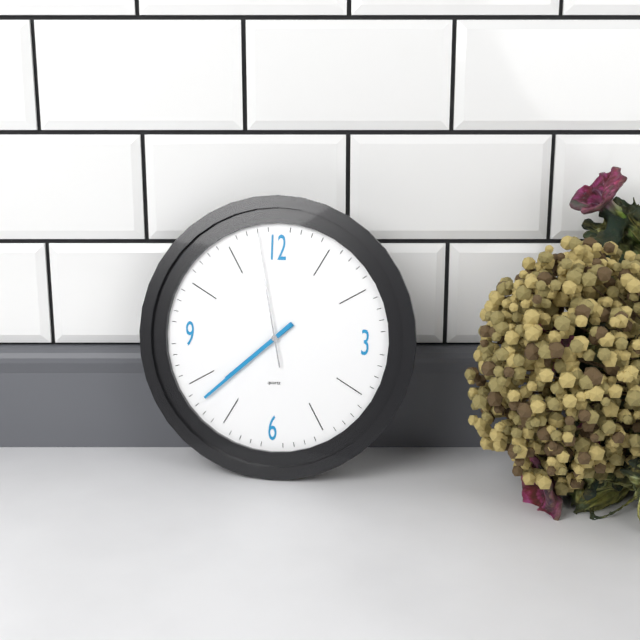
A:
7 h 38 min 58 s
